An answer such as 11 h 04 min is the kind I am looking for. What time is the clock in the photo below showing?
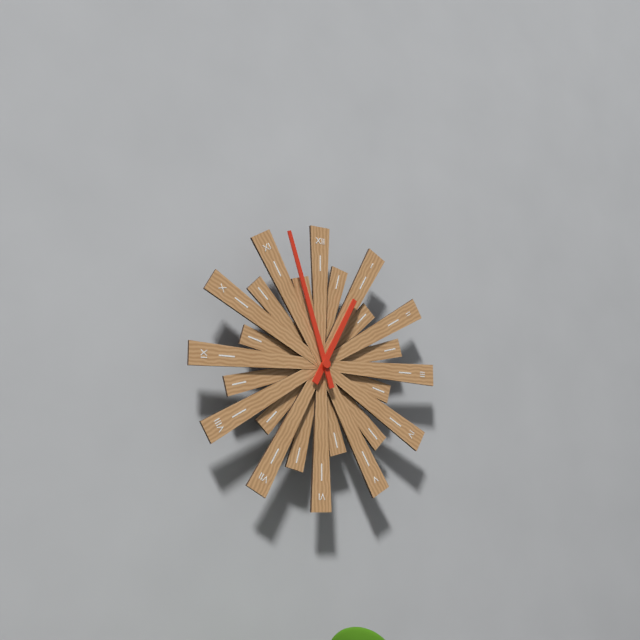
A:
12 h 57 min
